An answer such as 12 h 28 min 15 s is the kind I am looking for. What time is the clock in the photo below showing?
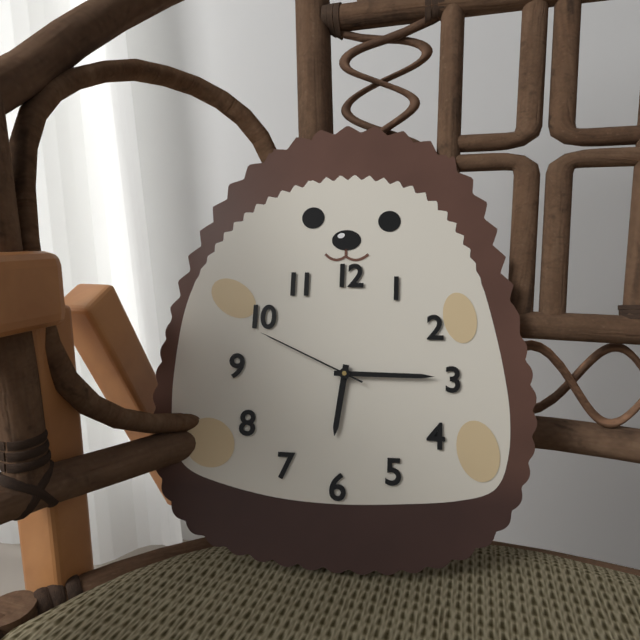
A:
6 h 15 min 49 s
